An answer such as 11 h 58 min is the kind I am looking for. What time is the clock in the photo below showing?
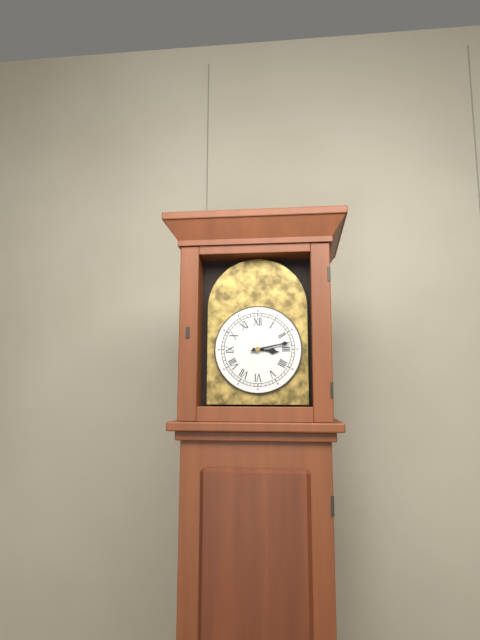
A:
3 h 13 min
